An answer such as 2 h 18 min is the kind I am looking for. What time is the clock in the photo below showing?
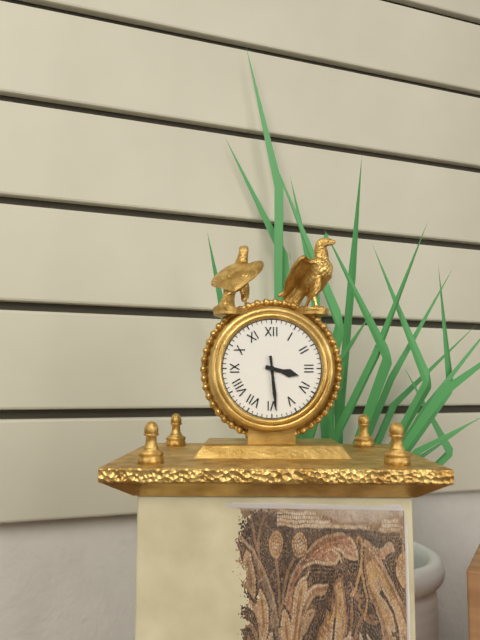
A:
3 h 29 min
